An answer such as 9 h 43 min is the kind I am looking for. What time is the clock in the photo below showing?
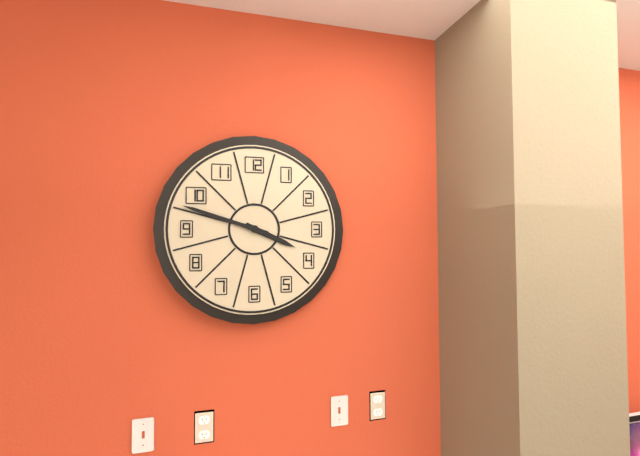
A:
3 h 48 min
